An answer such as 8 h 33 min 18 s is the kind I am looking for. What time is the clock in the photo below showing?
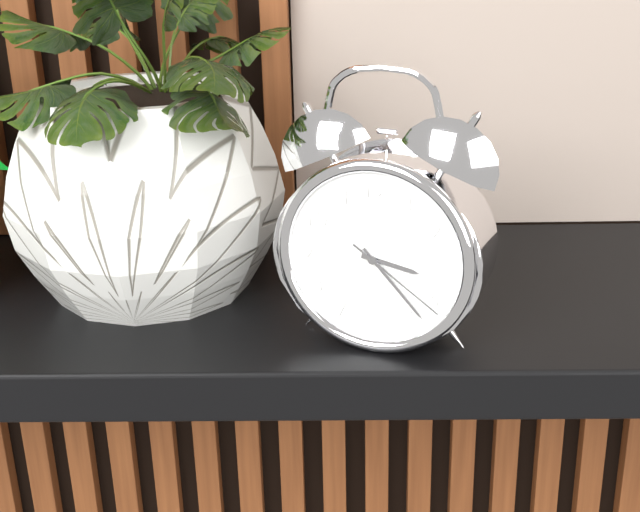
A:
3 h 23 min 21 s
